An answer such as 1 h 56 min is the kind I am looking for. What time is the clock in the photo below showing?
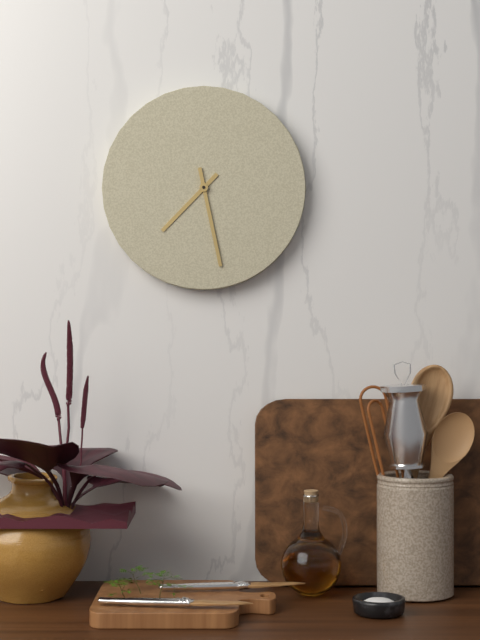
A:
7 h 28 min
